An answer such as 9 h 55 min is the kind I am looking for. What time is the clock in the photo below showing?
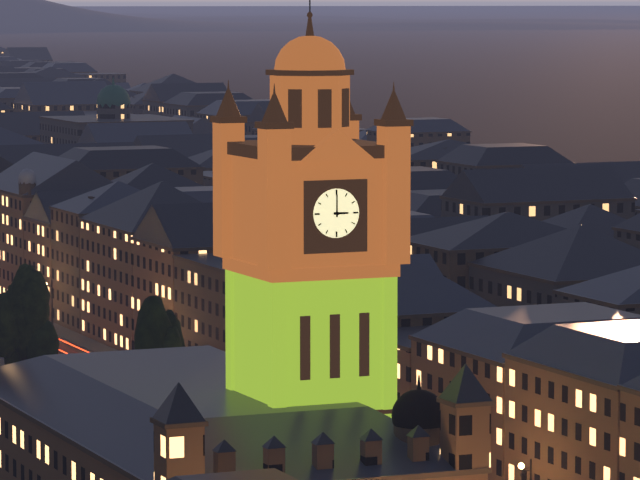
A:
3 h 00 min
